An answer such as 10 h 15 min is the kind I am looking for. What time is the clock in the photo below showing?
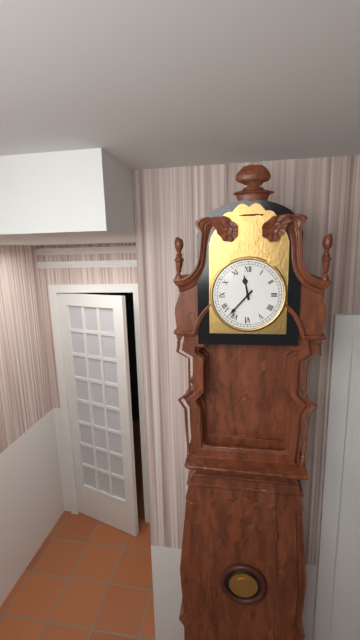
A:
11 h 37 min
